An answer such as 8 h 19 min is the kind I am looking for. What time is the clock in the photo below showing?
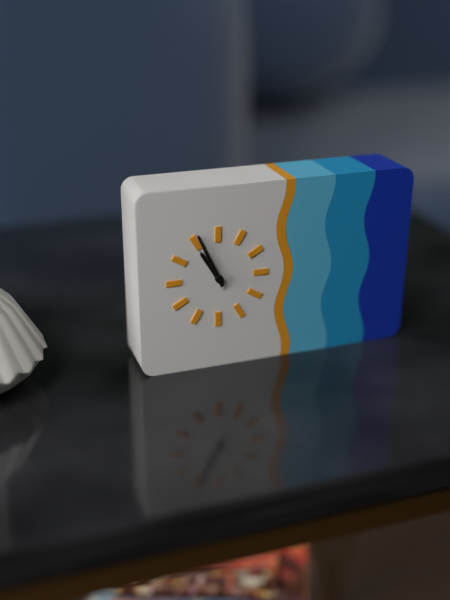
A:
10 h 56 min
